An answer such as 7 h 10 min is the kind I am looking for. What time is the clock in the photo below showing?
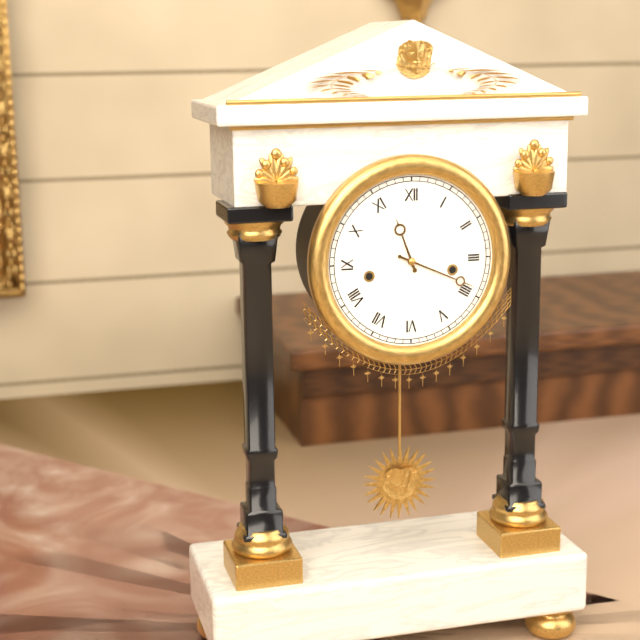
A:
11 h 19 min
